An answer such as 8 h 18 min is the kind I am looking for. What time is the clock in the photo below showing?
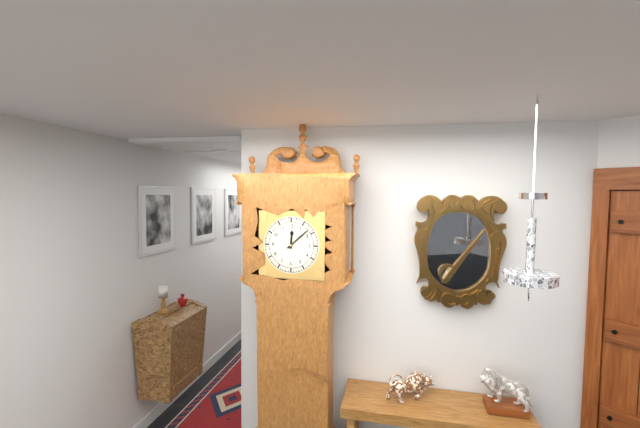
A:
12 h 08 min
